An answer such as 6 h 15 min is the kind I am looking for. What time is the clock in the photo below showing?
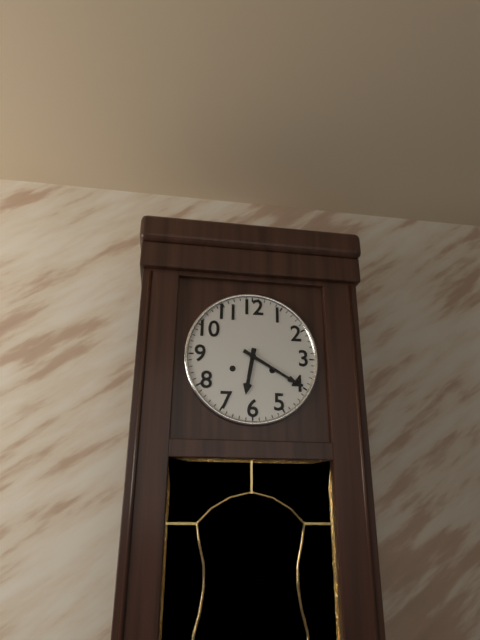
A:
6 h 20 min
